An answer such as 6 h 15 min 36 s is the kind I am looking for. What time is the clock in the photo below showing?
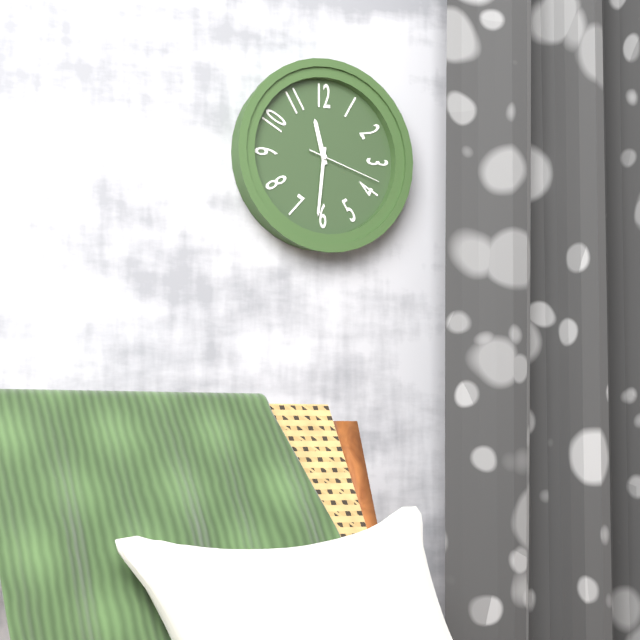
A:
11 h 31 min 18 s
